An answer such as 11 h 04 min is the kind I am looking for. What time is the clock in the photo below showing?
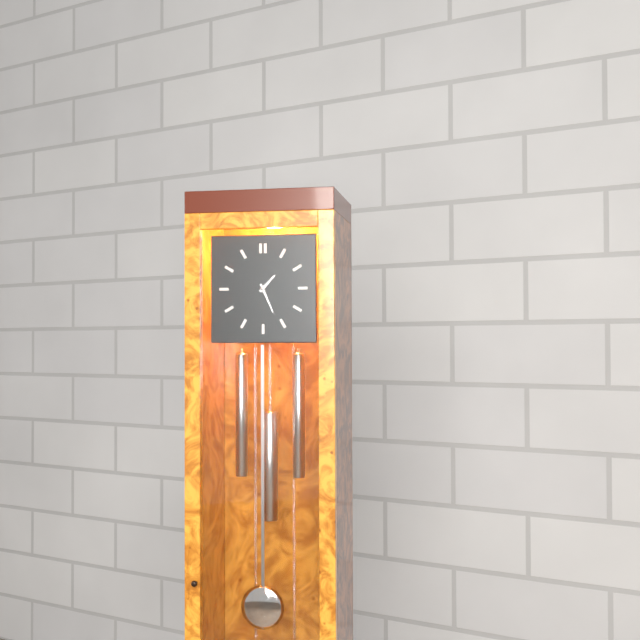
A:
1 h 26 min
